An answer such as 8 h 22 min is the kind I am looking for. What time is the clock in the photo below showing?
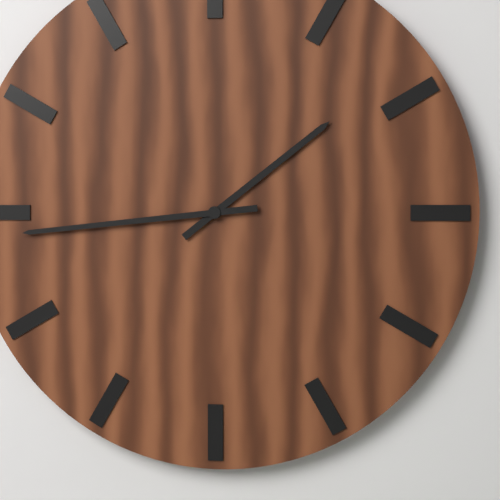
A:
1 h 44 min
